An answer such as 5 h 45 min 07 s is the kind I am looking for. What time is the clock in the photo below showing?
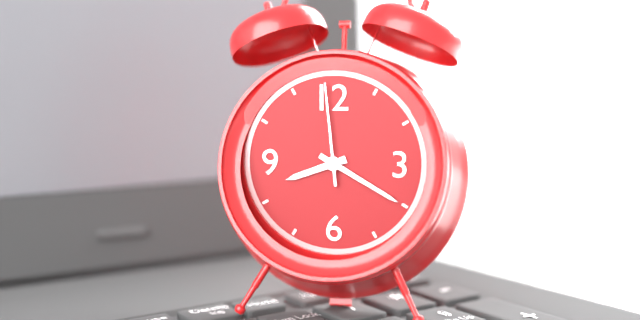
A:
8 h 20 min 59 s
